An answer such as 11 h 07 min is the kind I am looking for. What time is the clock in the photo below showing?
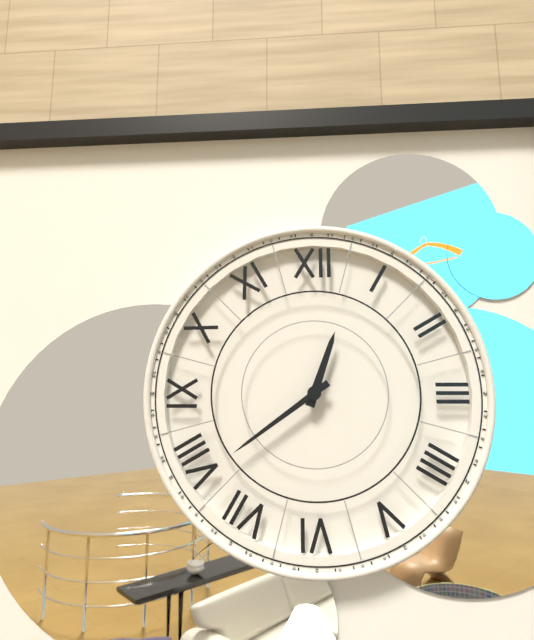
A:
12 h 39 min
